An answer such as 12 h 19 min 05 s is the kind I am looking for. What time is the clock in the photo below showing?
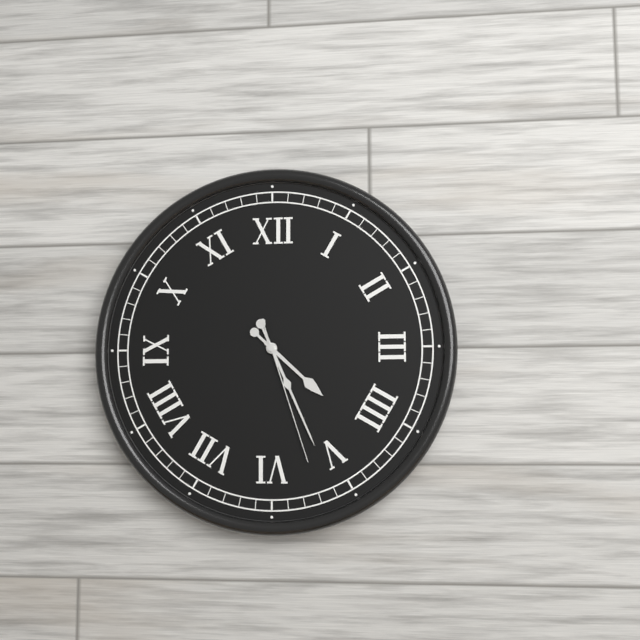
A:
4 h 26 min 27 s
